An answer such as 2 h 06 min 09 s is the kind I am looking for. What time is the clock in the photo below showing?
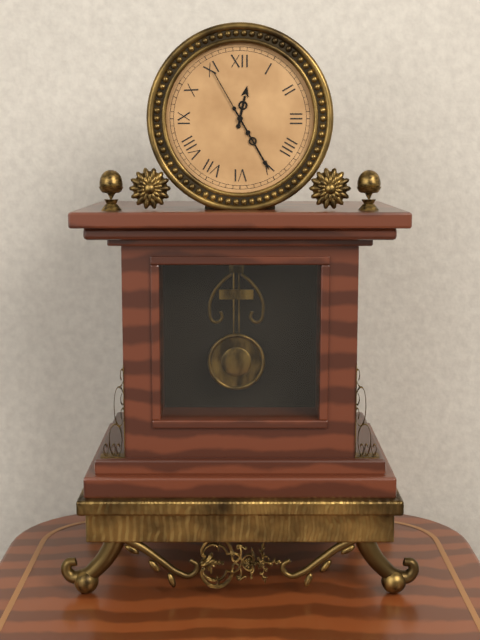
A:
12 h 25 min 55 s
